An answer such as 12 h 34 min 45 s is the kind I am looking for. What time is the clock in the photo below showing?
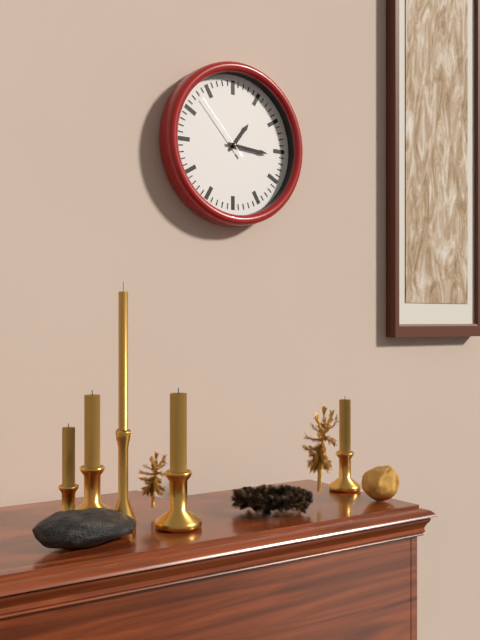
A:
1 h 16 min 53 s
